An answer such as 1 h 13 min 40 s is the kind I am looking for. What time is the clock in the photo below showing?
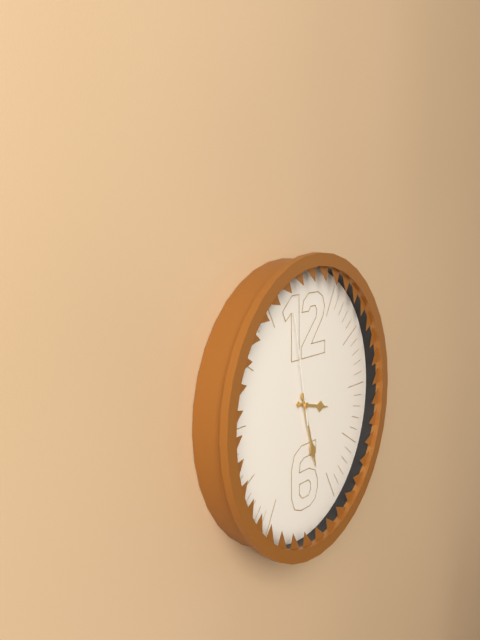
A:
3 h 27 min 58 s
